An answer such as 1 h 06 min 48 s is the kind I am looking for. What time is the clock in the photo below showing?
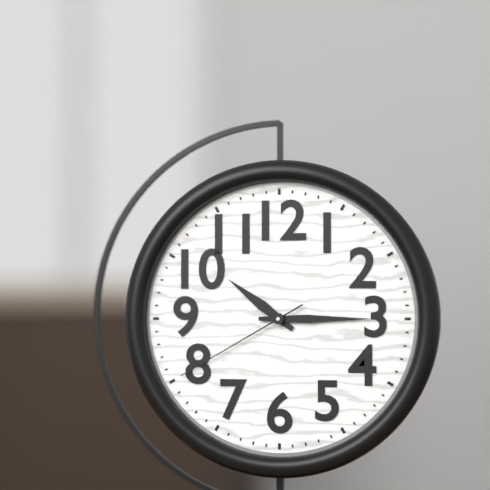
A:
10 h 15 min 40 s
